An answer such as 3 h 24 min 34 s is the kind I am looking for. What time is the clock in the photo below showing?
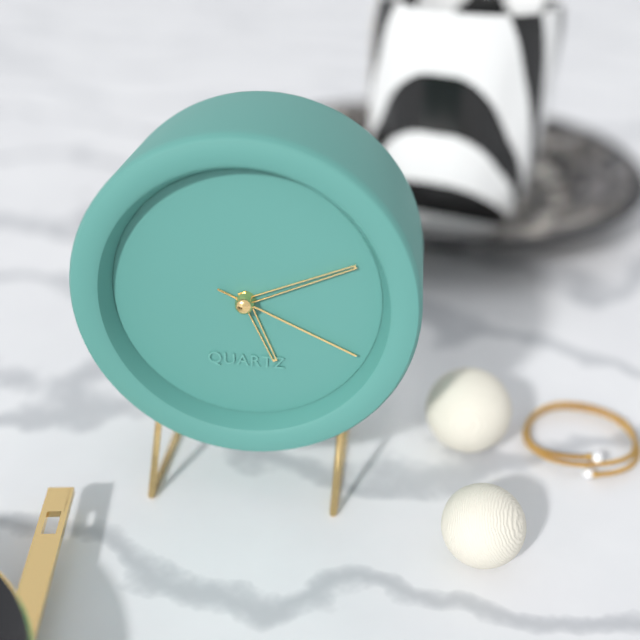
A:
5 h 11 min 19 s
